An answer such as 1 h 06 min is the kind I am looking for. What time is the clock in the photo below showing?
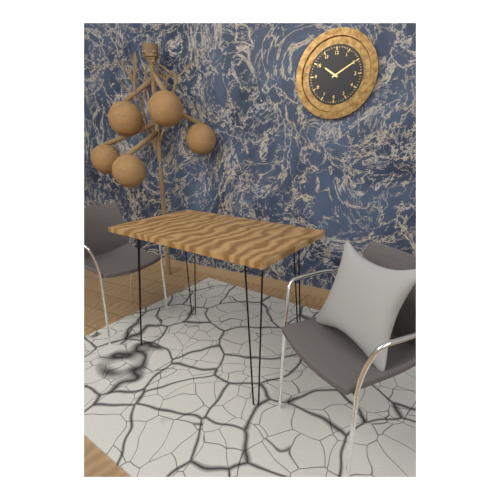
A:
10 h 10 min
